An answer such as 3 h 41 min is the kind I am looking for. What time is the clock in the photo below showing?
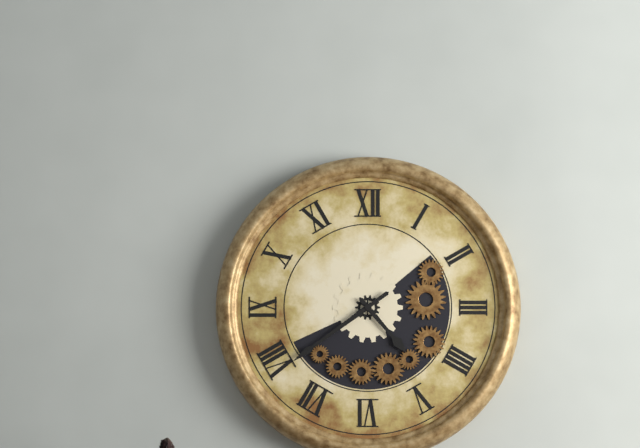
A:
4 h 39 min
